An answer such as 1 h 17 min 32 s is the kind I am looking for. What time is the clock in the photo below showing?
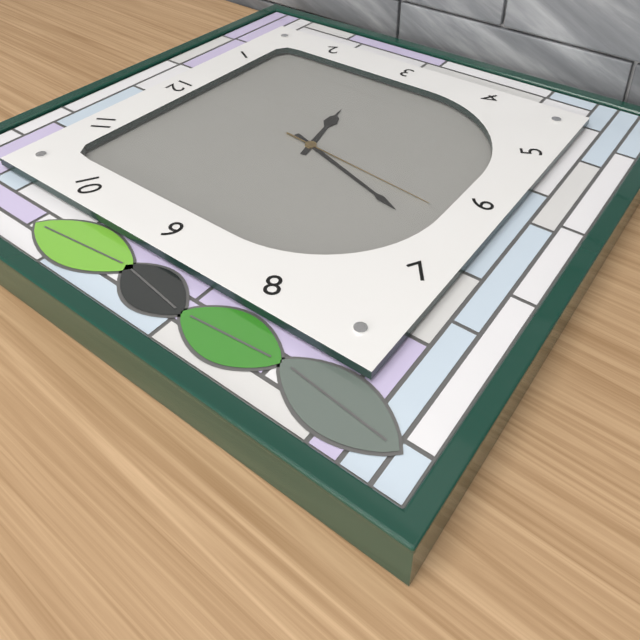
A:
2 h 33 min 31 s
